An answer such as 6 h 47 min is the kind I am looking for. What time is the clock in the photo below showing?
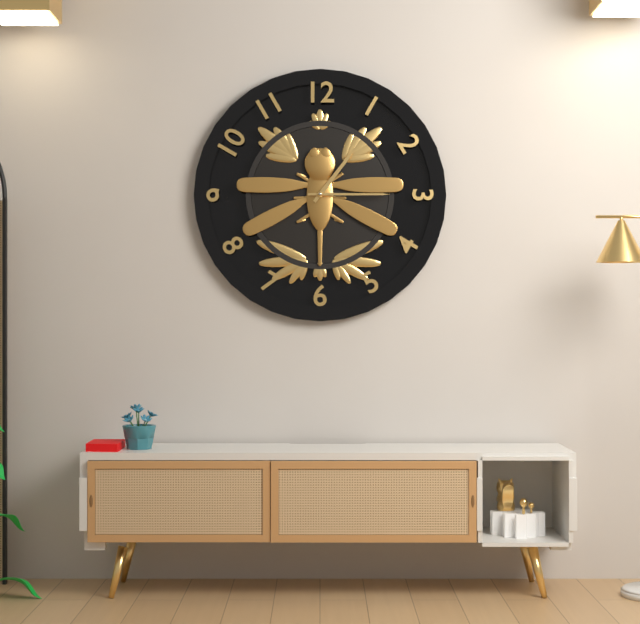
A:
1 h 15 min
